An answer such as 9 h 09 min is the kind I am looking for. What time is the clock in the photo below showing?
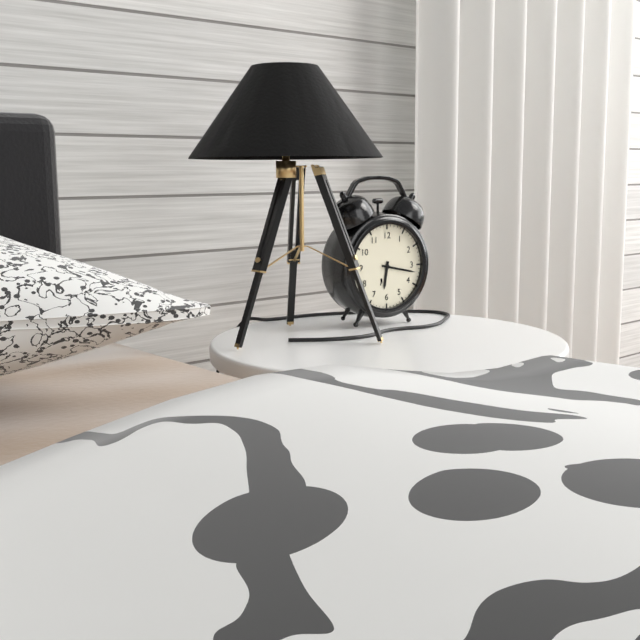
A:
6 h 17 min
